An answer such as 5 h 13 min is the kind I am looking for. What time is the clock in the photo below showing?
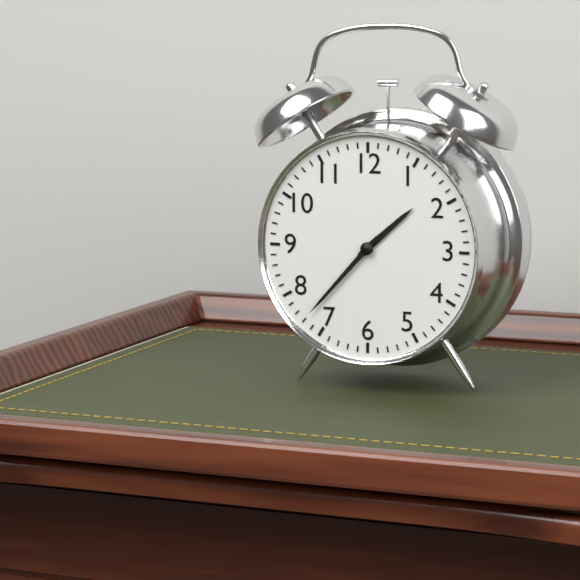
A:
1 h 37 min
